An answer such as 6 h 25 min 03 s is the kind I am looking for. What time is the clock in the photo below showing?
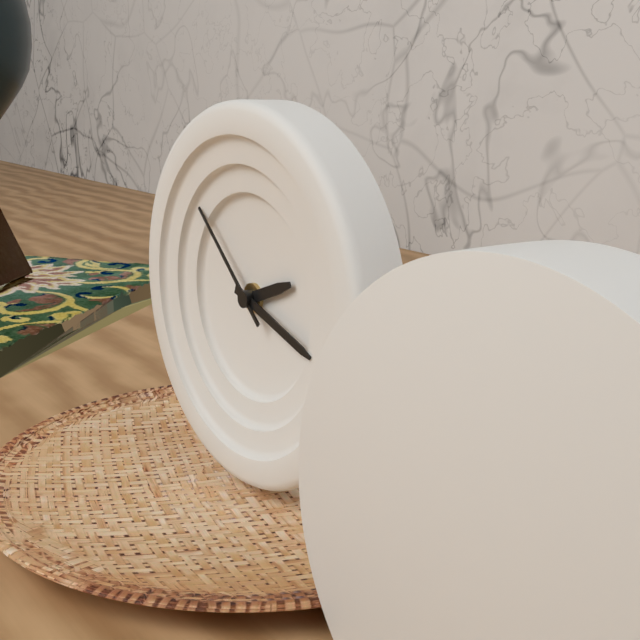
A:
2 h 18 min 52 s
